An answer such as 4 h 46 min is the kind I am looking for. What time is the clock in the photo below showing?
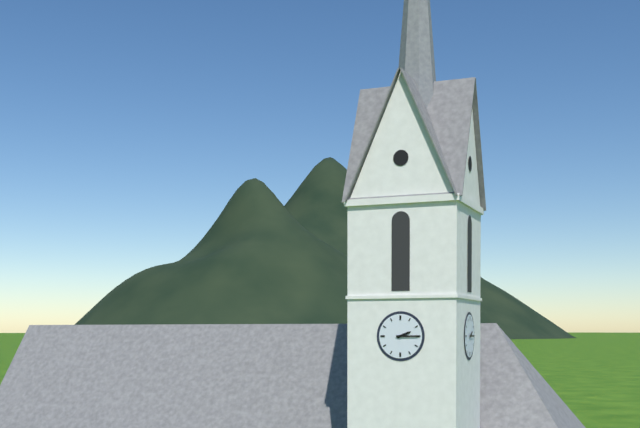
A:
2 h 15 min
